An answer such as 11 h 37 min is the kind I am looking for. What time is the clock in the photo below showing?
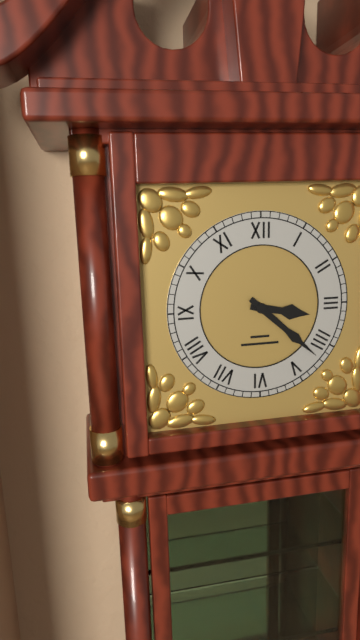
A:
3 h 22 min
